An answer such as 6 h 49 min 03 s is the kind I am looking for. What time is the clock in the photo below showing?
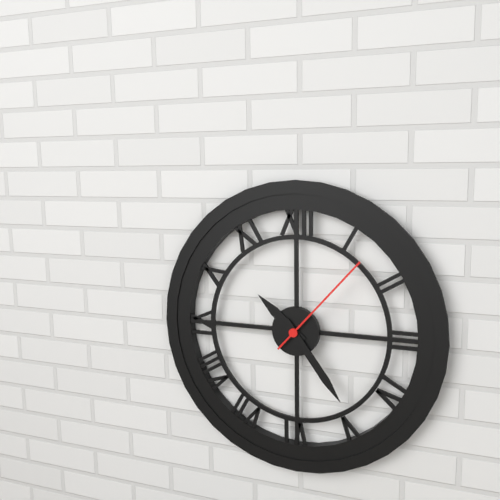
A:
10 h 24 min 07 s
